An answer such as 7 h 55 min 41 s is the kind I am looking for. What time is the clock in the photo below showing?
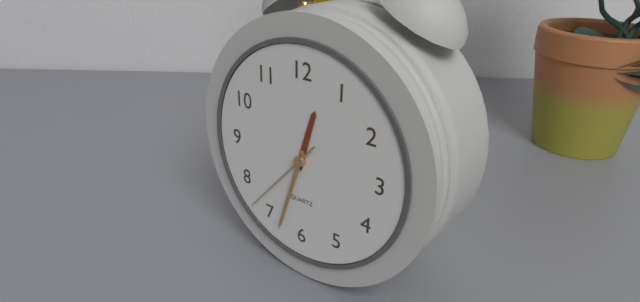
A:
12 h 33 min 37 s
